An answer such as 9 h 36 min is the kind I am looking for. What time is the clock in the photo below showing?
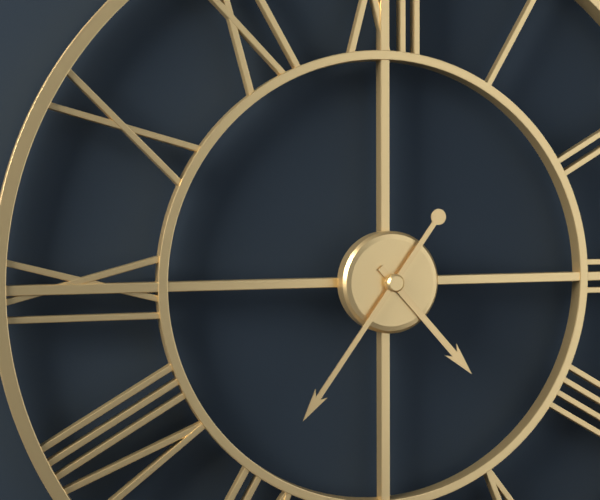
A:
4 h 36 min
